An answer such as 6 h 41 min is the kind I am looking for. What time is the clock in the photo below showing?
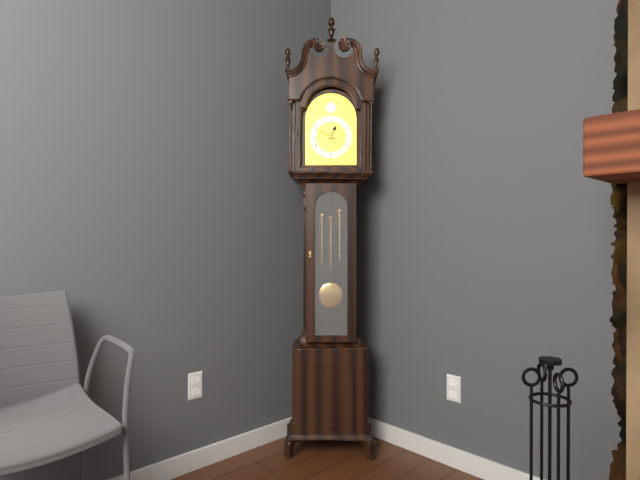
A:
12 h 50 min
